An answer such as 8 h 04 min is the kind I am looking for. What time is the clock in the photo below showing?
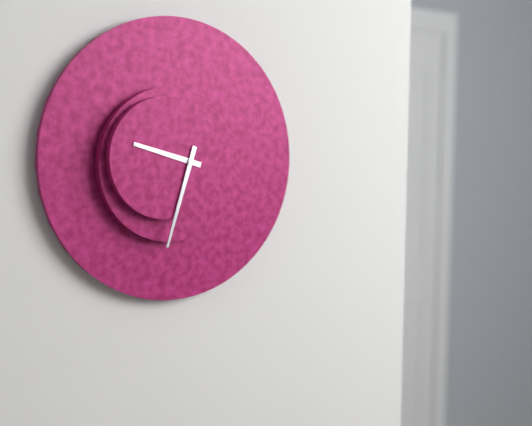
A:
9 h 33 min
